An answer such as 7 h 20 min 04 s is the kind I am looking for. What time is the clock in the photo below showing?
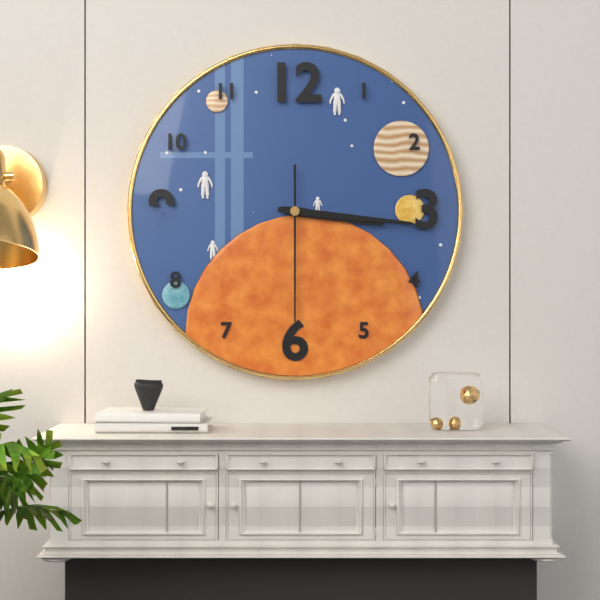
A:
3 h 16 min 30 s
